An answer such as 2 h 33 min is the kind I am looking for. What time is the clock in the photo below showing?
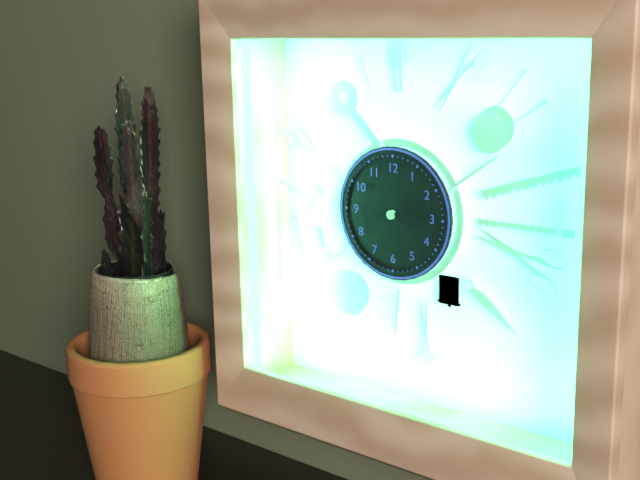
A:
3 h 43 min
